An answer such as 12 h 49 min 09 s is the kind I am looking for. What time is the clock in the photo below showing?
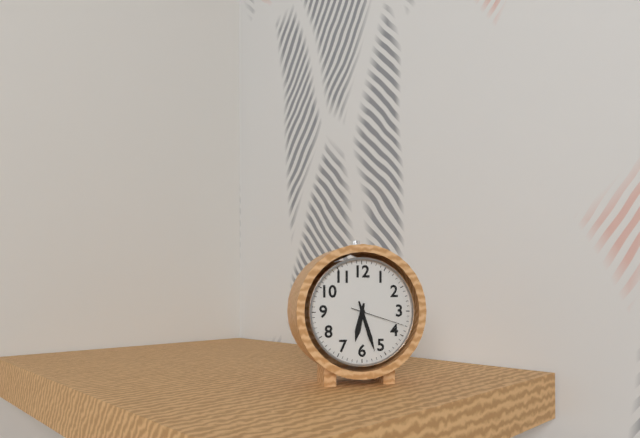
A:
6 h 27 min 18 s
